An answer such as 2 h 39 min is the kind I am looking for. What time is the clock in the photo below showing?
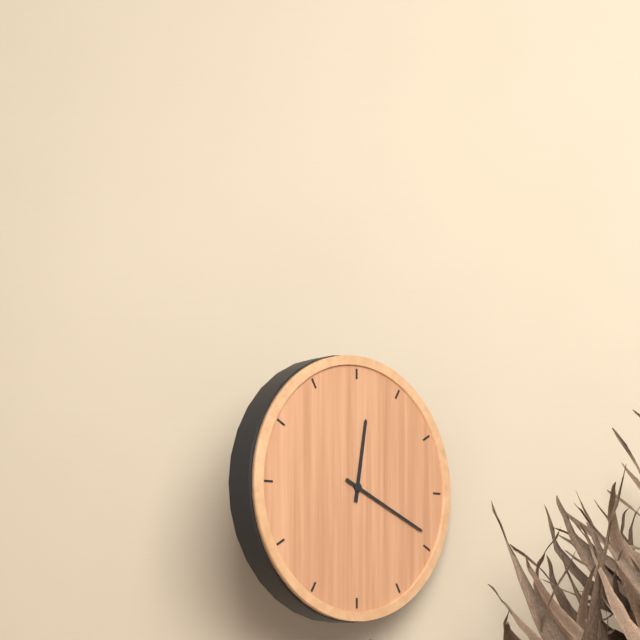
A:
12 h 19 min
